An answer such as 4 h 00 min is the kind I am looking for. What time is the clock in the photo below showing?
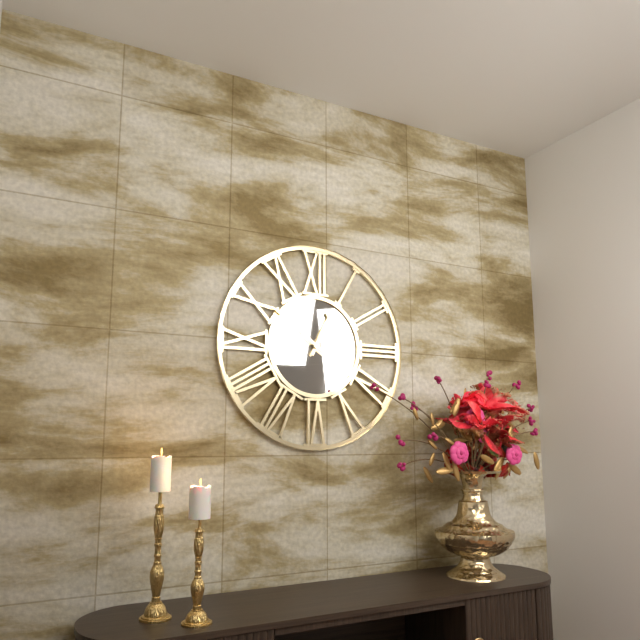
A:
12 h 51 min
